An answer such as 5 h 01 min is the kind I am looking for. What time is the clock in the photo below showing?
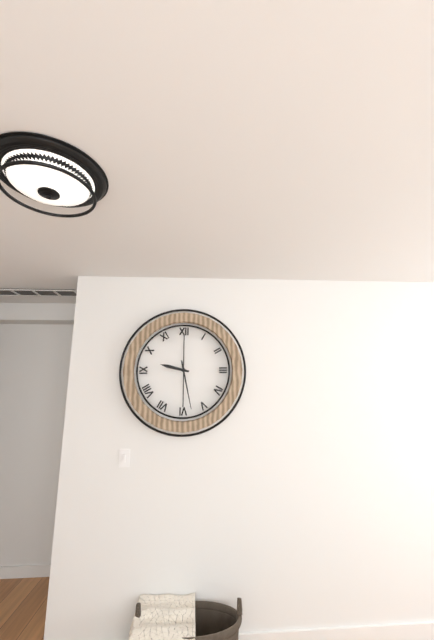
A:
9 h 28 min
